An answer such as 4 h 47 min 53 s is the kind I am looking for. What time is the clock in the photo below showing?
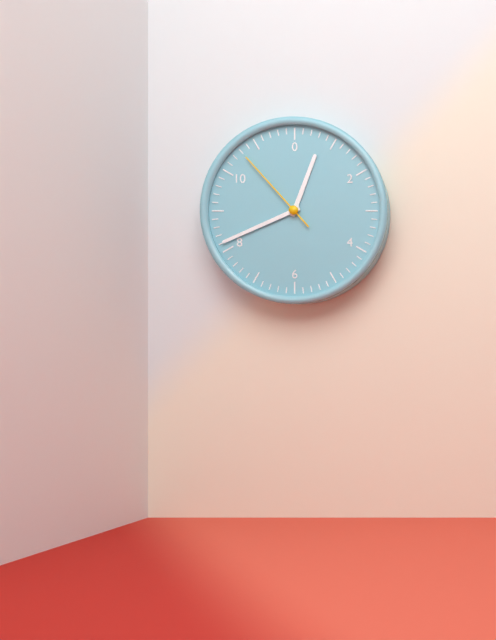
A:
12 h 41 min 53 s
